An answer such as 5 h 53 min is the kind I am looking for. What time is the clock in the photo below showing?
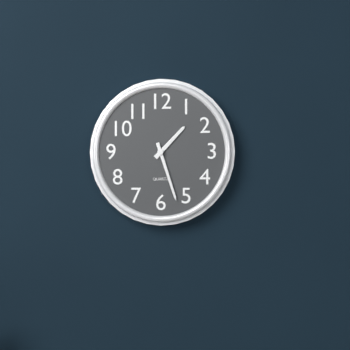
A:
1 h 27 min
